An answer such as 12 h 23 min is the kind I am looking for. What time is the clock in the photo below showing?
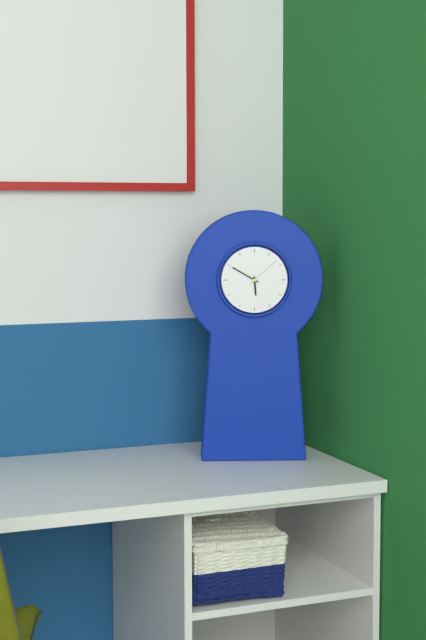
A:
5 h 50 min
